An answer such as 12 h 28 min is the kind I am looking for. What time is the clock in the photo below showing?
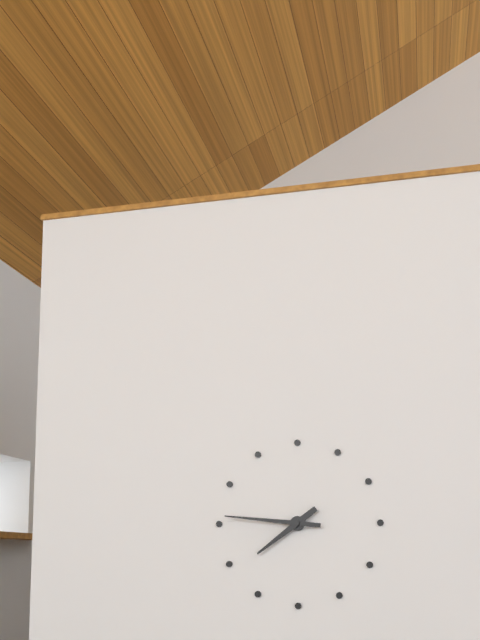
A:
7 h 46 min
